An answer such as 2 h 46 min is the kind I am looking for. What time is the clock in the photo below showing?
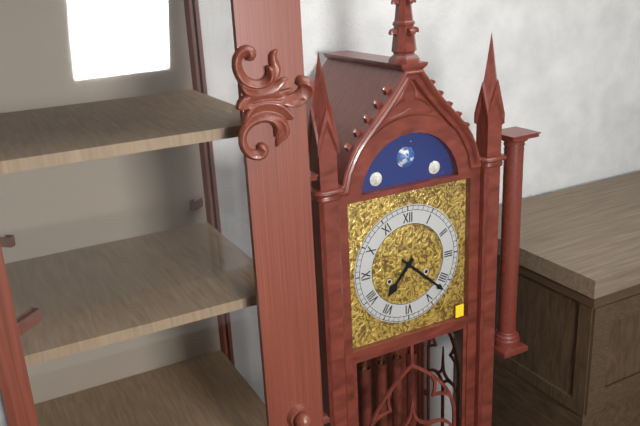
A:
7 h 22 min
